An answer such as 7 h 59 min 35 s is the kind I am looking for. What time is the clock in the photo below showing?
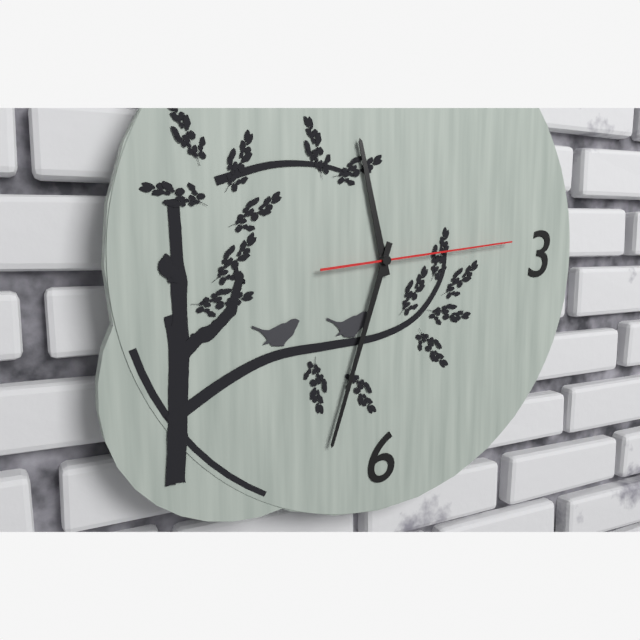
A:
11 h 33 min 14 s
